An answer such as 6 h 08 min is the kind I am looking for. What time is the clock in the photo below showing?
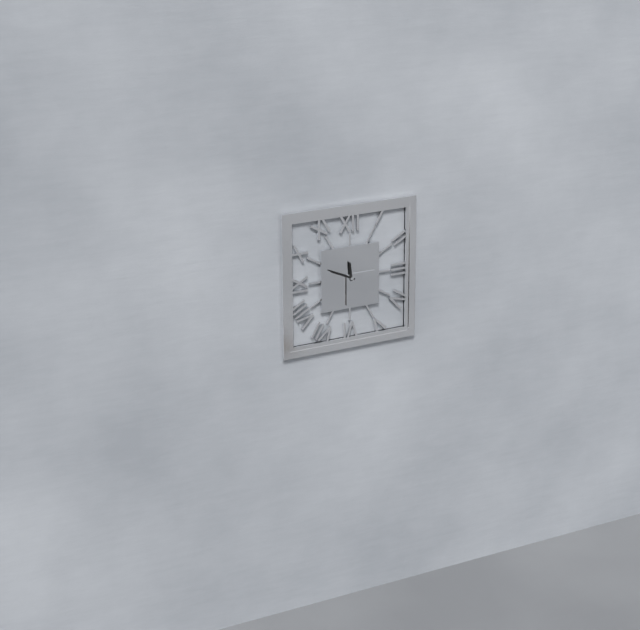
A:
11 h 49 min
